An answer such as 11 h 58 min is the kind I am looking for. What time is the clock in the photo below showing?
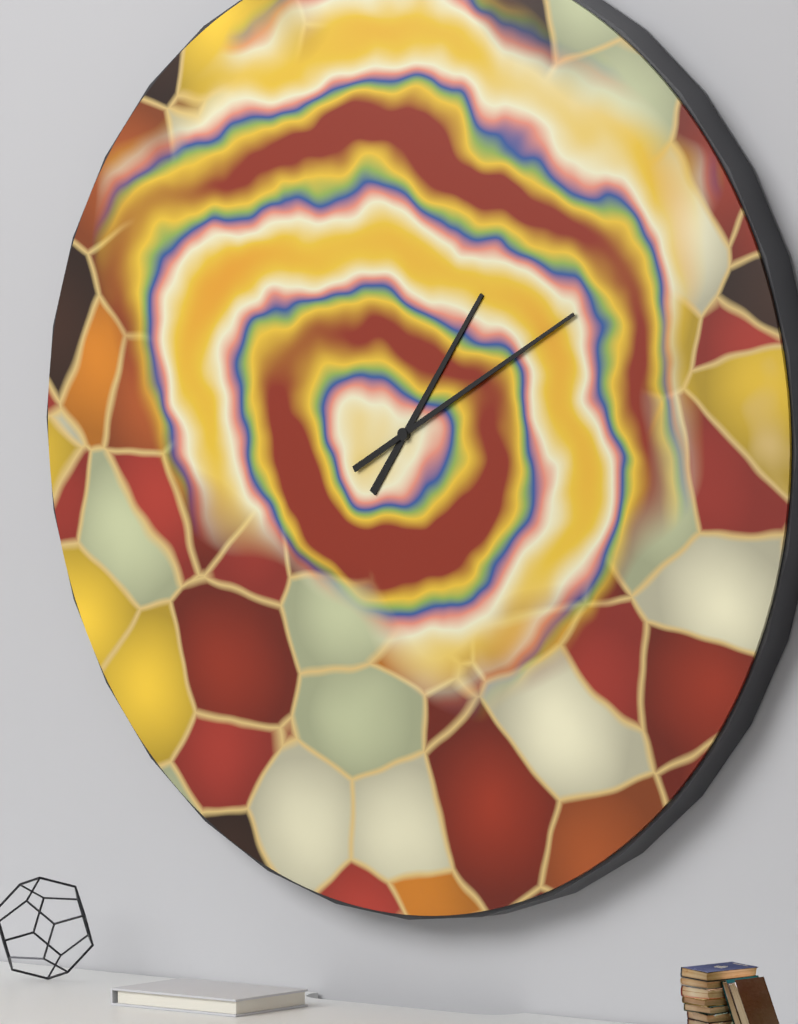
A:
1 h 10 min
